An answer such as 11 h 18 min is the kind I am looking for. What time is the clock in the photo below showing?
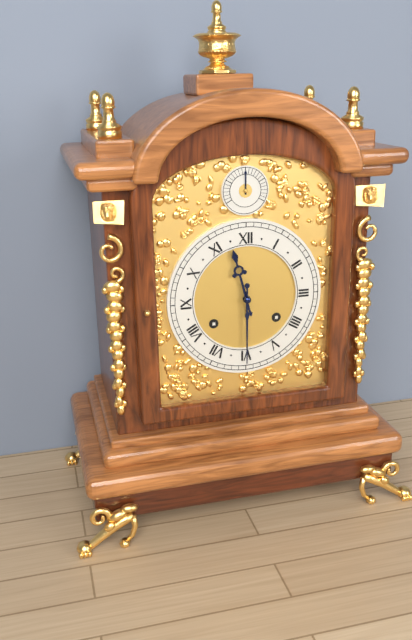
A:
11 h 30 min
